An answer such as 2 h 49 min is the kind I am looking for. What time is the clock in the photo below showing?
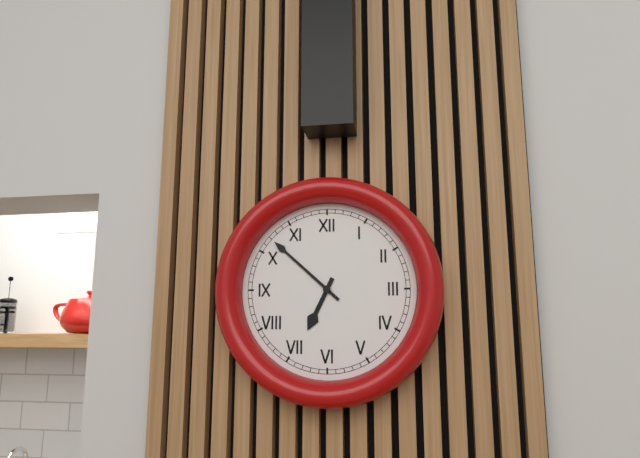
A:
6 h 52 min
